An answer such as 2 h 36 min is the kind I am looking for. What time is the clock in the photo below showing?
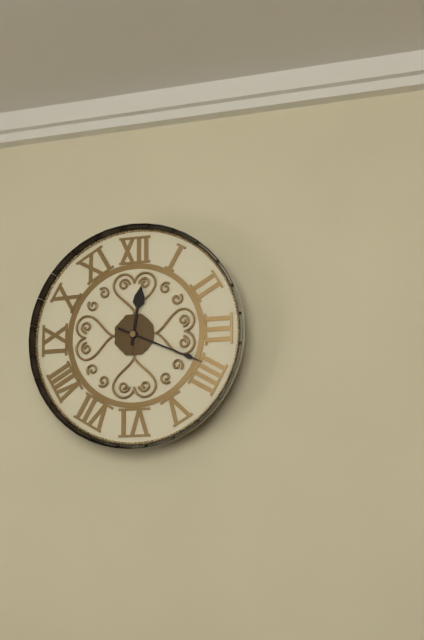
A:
12 h 19 min
